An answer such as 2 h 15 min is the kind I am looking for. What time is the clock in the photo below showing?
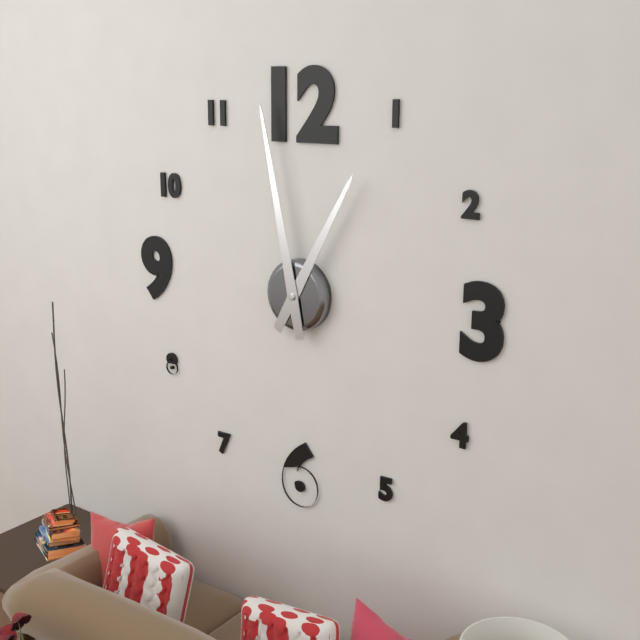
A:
12 h 58 min
